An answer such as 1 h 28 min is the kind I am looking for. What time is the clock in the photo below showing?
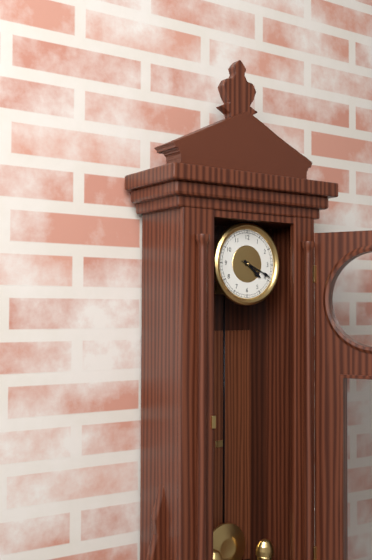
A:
4 h 19 min
